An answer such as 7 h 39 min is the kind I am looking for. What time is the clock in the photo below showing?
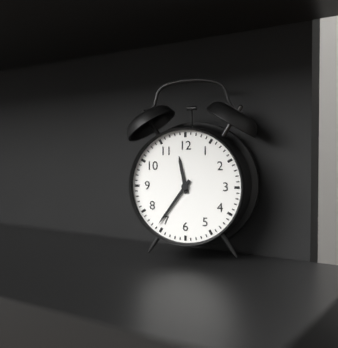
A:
11 h 36 min
